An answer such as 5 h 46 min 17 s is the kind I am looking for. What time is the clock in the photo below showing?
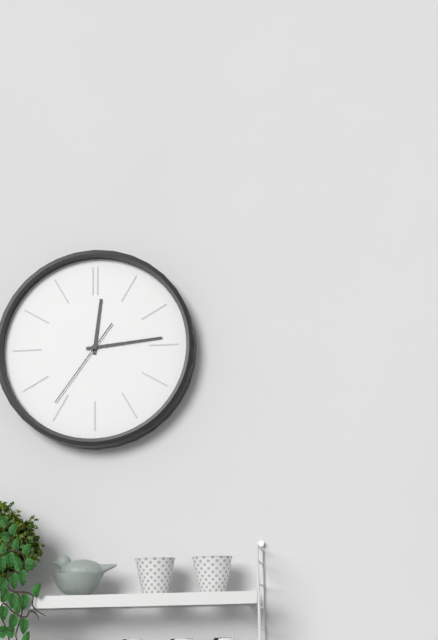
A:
12 h 14 min 36 s
